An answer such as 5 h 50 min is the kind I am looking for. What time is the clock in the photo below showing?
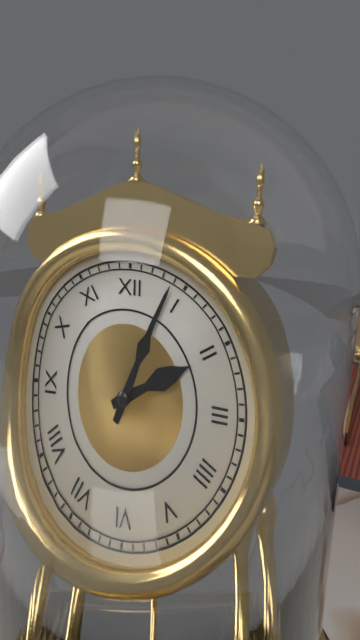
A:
2 h 04 min
